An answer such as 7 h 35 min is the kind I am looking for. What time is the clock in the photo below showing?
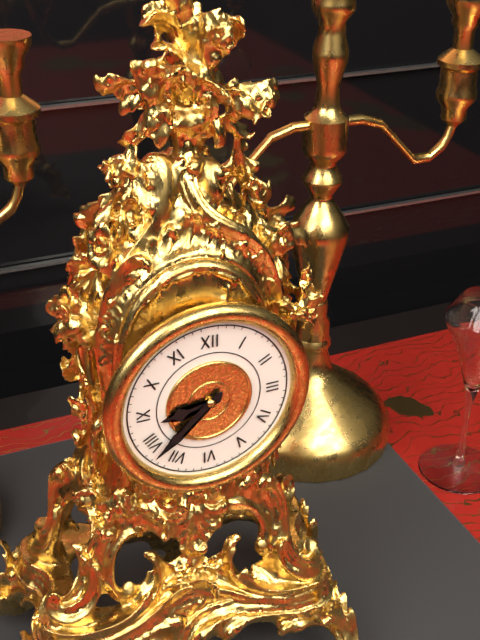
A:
8 h 38 min
